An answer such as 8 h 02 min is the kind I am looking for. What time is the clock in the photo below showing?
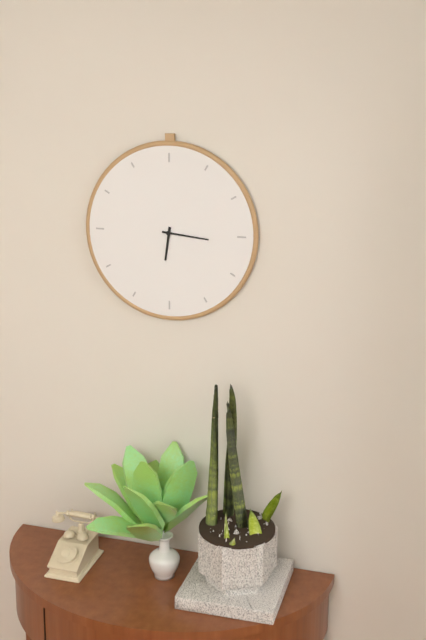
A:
6 h 16 min
